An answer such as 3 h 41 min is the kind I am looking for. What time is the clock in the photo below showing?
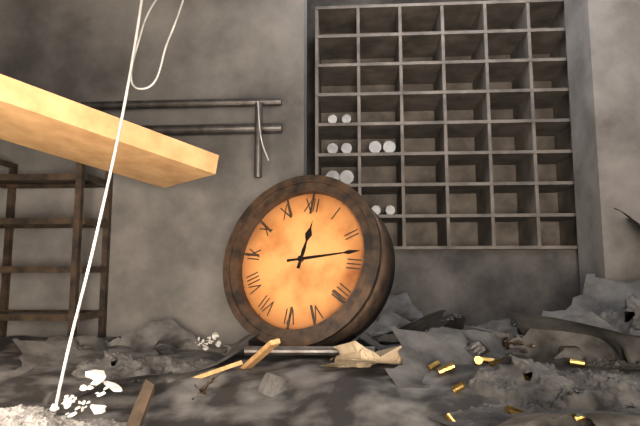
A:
12 h 13 min
